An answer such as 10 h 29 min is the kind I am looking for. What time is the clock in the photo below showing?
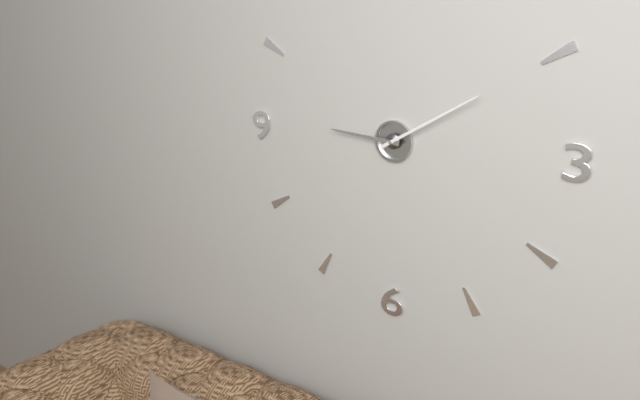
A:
9 h 10 min
